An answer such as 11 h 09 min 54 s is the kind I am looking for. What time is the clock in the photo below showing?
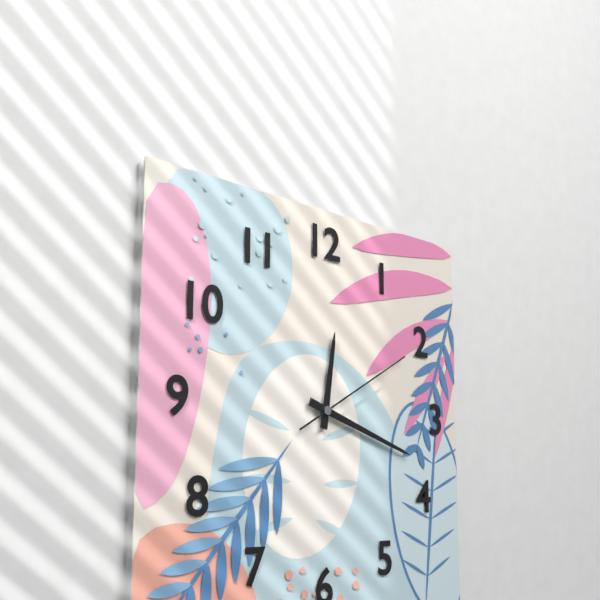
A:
12 h 18 min 10 s
